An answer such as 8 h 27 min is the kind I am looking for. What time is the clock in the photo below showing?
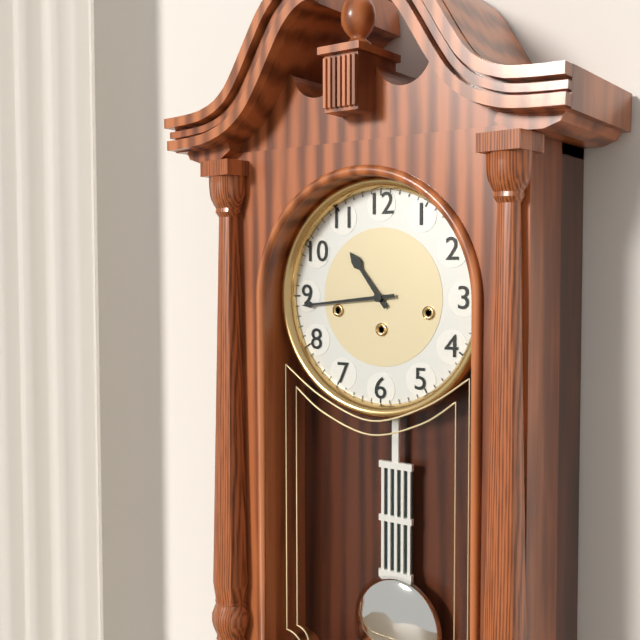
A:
10 h 44 min
